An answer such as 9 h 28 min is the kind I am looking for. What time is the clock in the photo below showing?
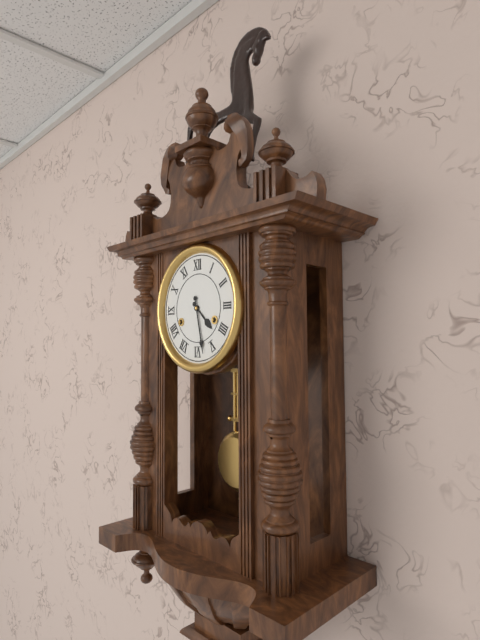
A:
4 h 28 min
